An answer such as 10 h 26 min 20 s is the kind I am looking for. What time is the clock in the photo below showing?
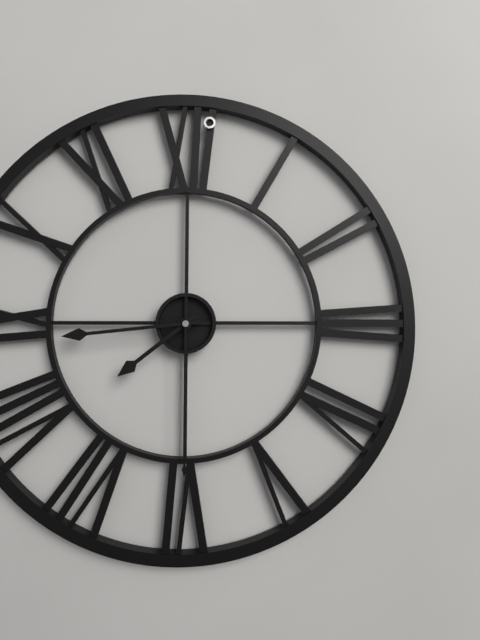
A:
7 h 44 min 30 s
